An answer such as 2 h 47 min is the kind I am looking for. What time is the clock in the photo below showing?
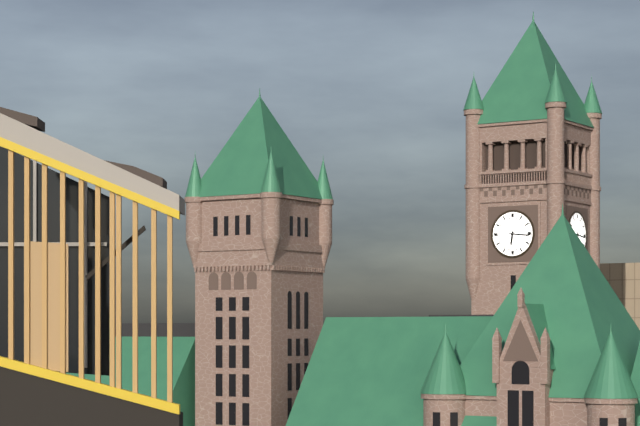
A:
6 h 16 min
